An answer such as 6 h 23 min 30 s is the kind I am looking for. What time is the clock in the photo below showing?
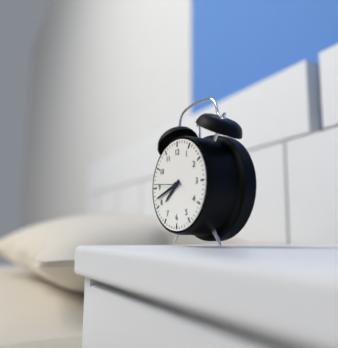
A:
7 h 42 min 46 s
